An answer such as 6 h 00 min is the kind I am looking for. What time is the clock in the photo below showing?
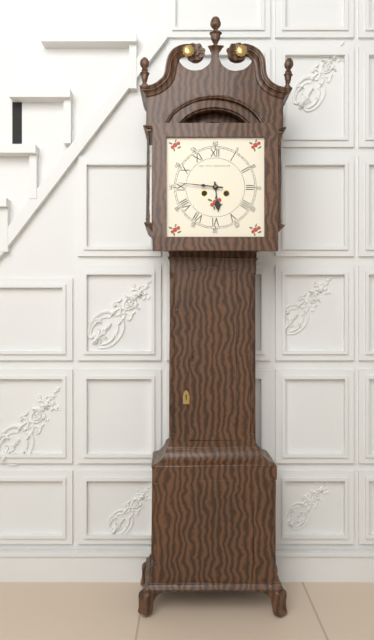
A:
5 h 46 min
